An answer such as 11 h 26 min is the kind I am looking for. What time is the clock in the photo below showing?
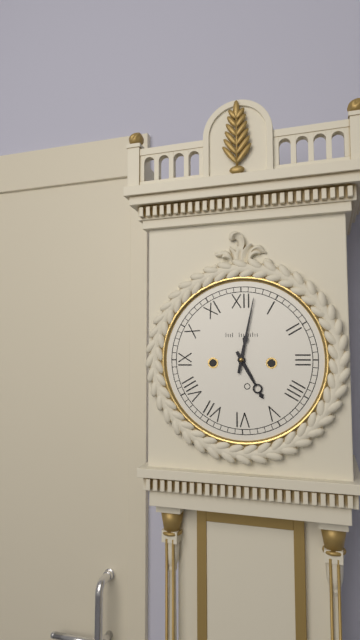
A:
5 h 02 min
